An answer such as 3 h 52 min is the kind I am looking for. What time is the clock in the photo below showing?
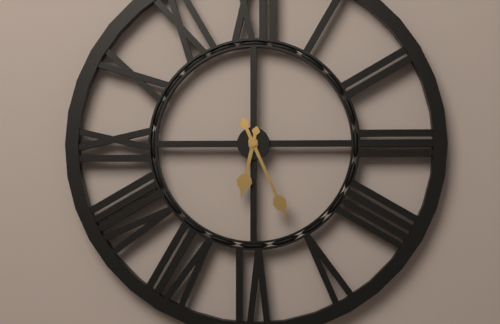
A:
6 h 26 min
